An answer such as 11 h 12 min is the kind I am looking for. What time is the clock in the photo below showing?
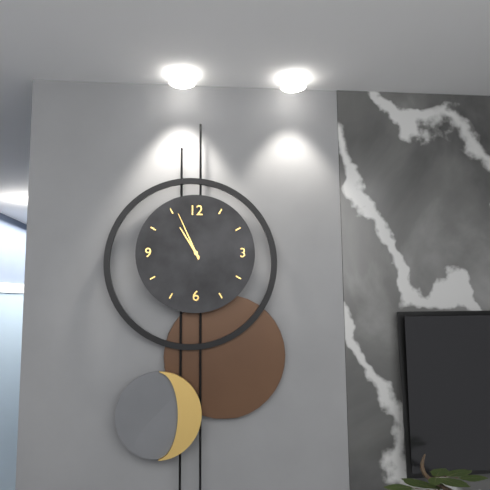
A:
10 h 56 min
